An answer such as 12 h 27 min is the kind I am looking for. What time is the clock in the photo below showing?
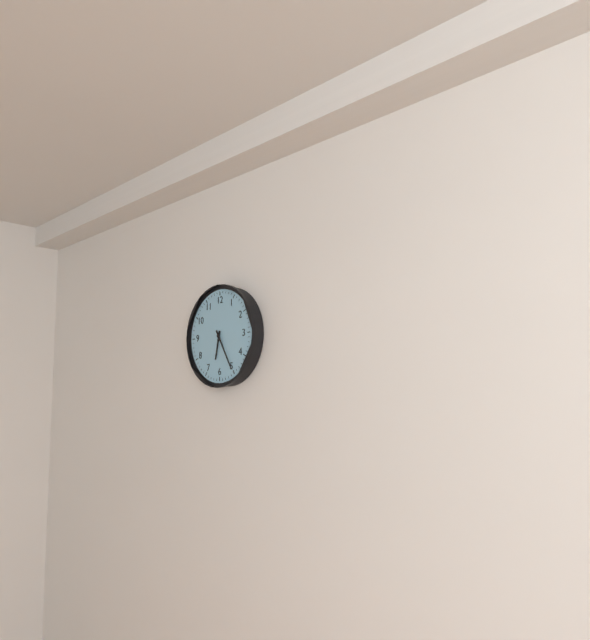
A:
6 h 25 min
